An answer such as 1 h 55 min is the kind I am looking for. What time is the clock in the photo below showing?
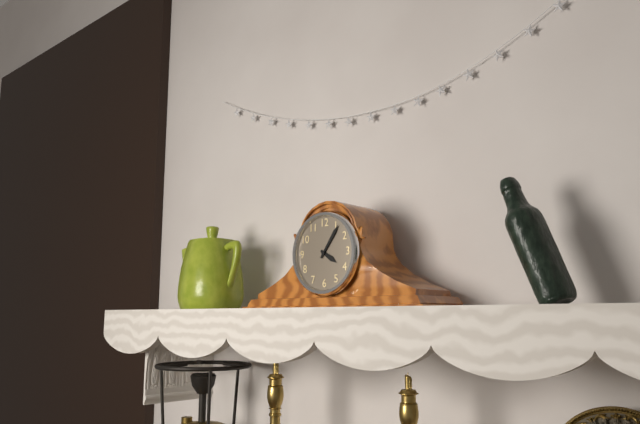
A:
4 h 06 min
